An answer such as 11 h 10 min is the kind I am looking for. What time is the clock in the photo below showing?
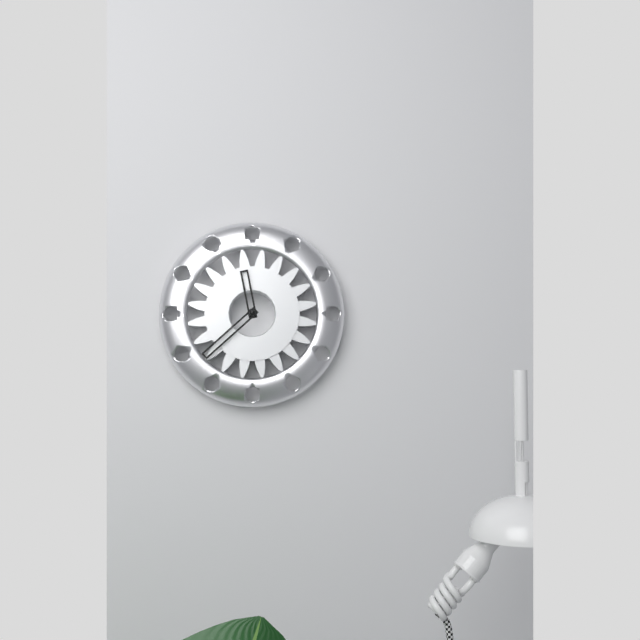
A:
11 h 38 min
